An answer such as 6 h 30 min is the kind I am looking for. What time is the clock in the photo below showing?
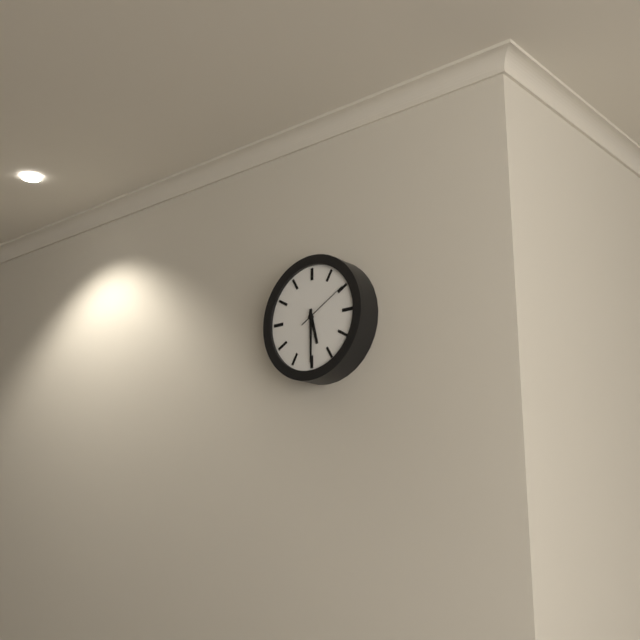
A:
5 h 30 min
